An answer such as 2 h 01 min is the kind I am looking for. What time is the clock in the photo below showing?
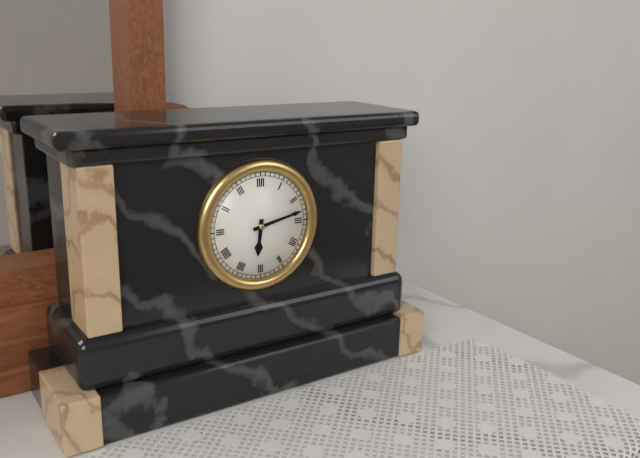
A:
6 h 13 min
